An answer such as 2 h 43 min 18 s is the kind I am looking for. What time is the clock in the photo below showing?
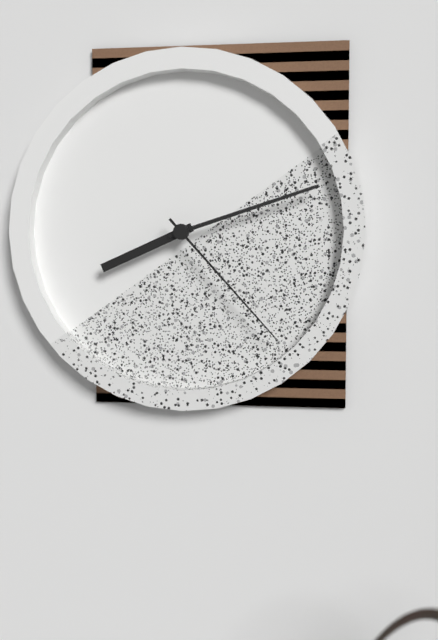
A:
8 h 12 min 23 s
